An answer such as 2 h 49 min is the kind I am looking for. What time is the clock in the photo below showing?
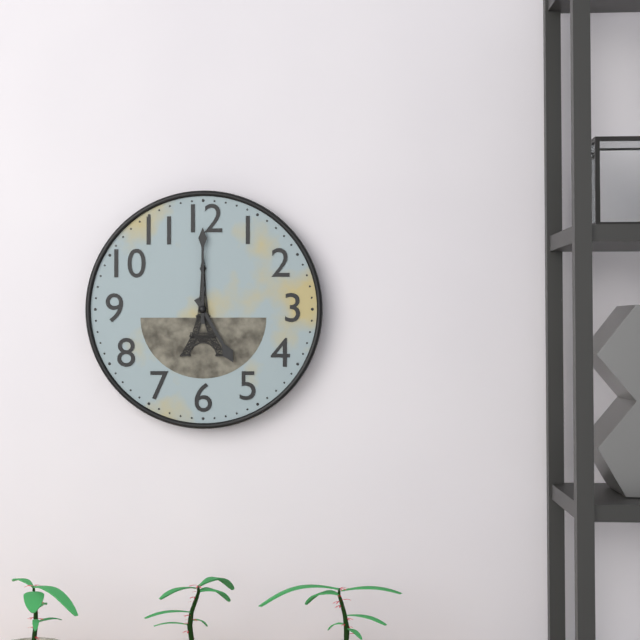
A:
5 h 00 min
